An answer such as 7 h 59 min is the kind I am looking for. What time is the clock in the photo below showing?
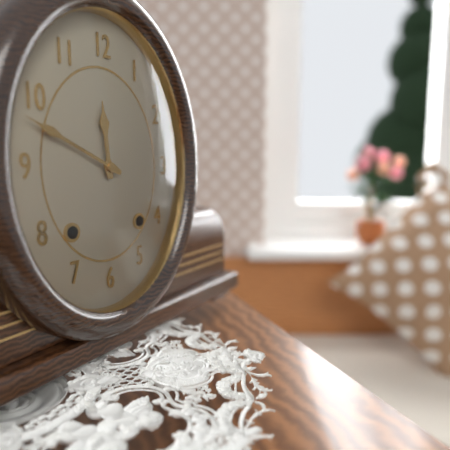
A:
11 h 49 min
